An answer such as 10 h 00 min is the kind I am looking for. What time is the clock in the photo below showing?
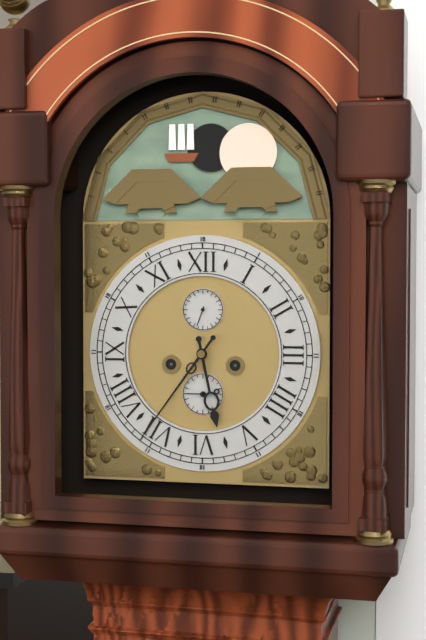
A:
5 h 36 min
